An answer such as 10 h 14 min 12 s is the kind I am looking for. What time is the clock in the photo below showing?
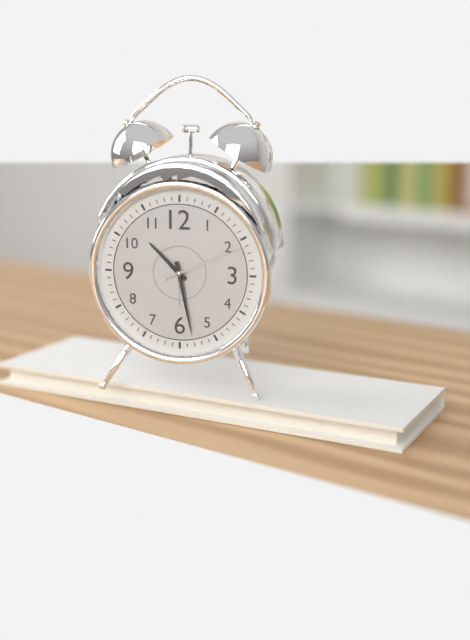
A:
10 h 28 min 11 s
